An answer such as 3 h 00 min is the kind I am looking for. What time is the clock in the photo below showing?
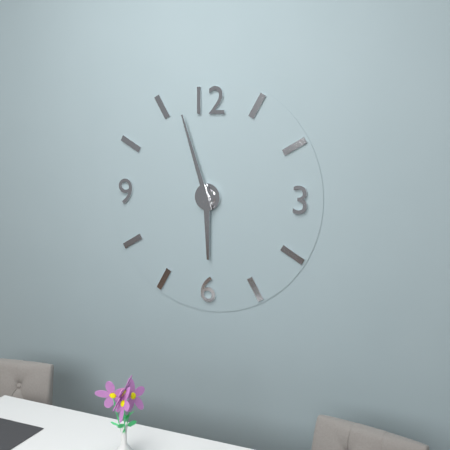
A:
5 h 57 min
